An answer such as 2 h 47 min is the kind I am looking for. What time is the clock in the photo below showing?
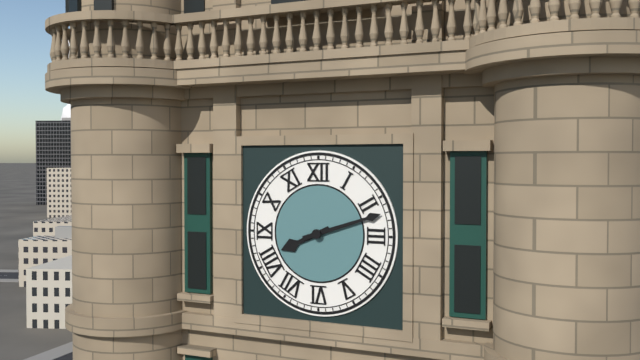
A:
8 h 12 min
